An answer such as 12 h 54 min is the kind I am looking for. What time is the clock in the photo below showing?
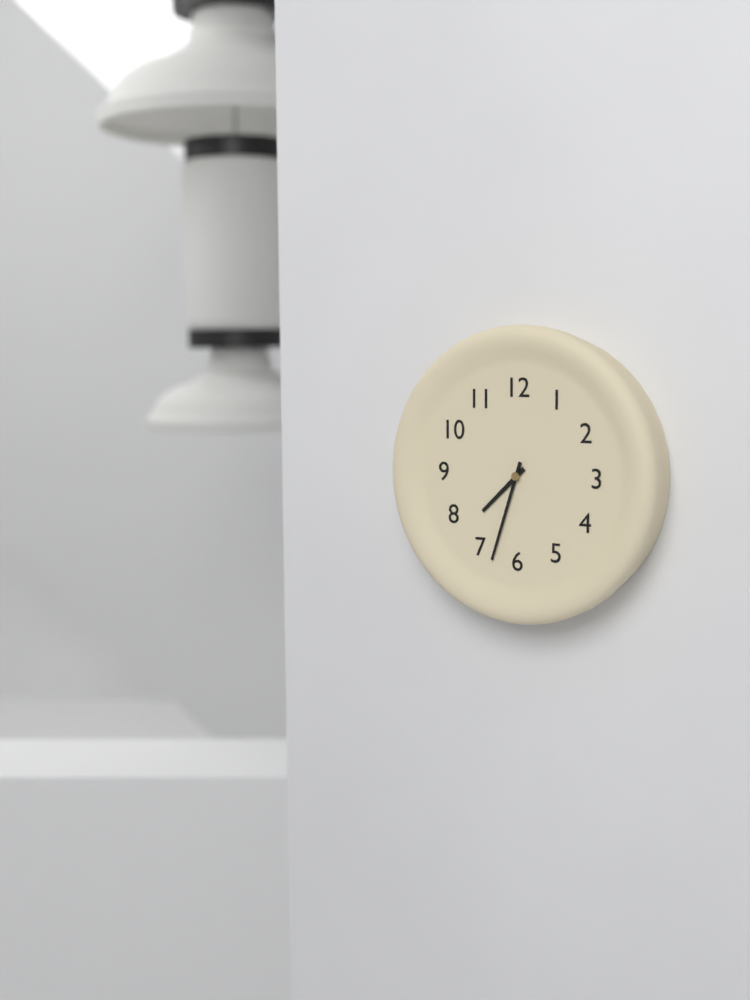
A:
7 h 33 min
